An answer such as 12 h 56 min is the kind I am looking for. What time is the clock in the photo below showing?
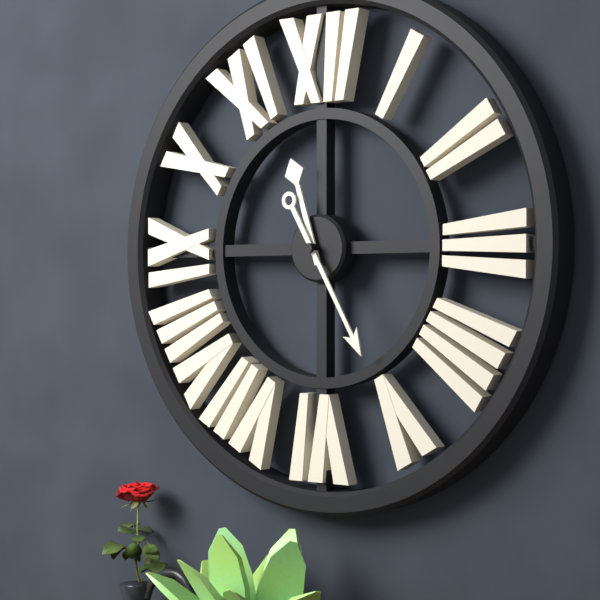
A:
11 h 25 min
